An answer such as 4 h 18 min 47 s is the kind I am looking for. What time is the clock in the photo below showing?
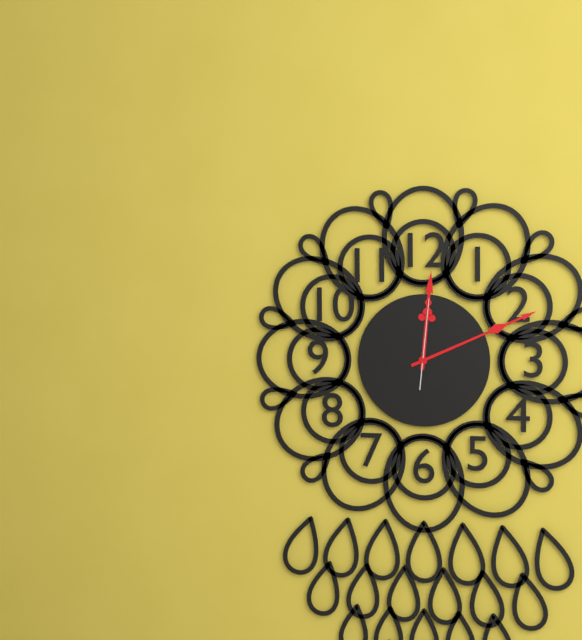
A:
12 h 11 min 01 s
